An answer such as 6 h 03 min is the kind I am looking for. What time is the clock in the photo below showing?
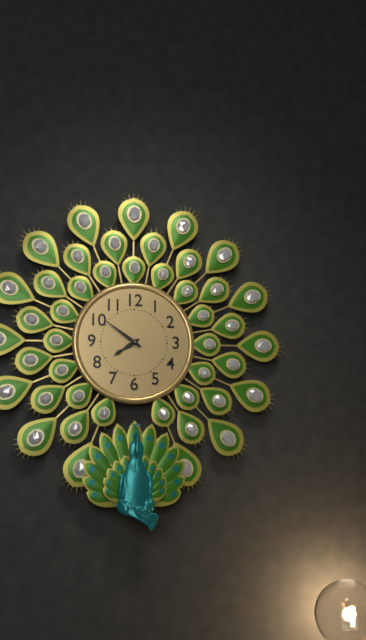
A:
7 h 51 min
